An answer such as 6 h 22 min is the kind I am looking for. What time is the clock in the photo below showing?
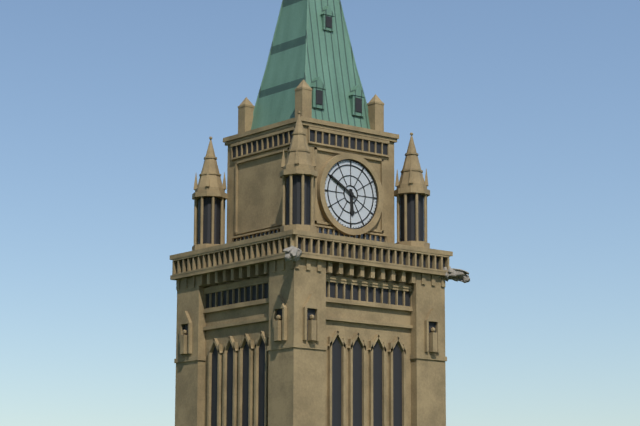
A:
5 h 50 min
